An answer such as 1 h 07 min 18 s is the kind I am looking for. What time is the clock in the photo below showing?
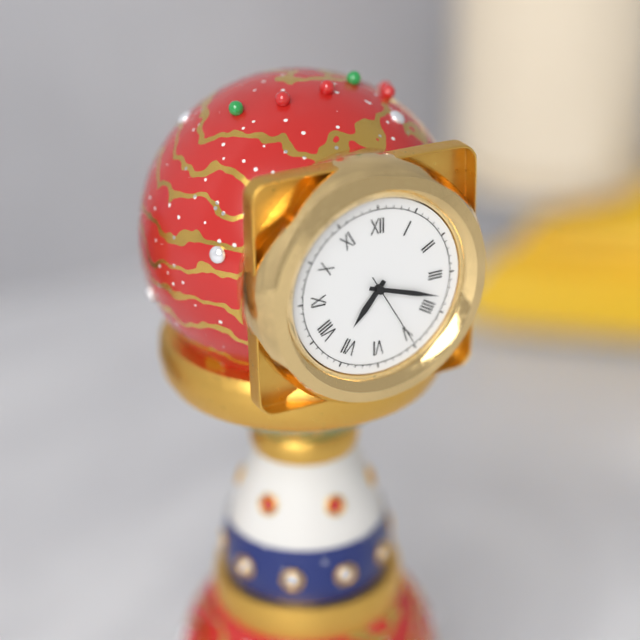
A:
7 h 18 min 25 s
